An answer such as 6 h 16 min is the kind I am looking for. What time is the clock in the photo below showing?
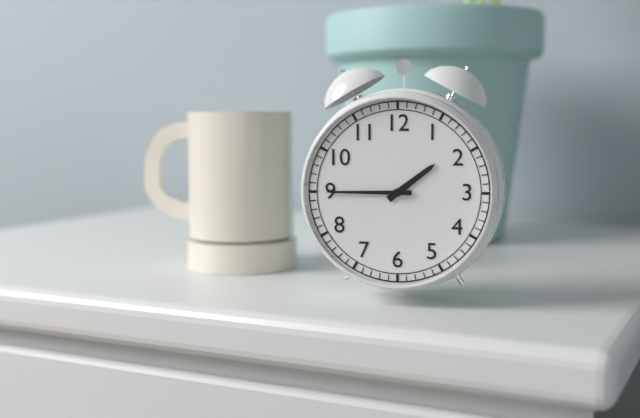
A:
1 h 45 min
